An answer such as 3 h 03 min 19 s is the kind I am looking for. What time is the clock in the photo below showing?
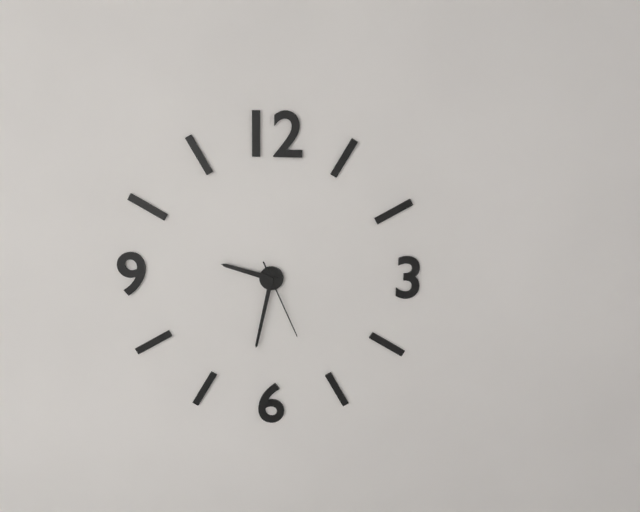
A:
9 h 32 min 26 s
